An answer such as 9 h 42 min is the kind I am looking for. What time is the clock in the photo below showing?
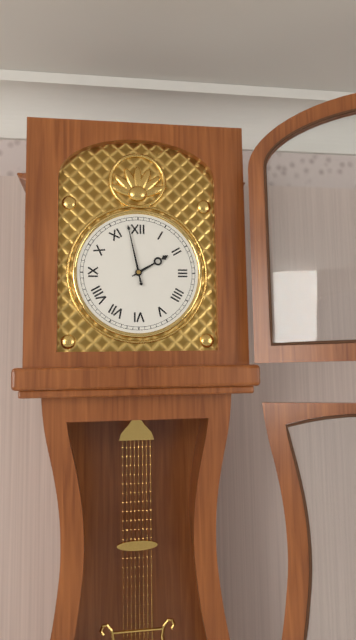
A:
1 h 58 min
